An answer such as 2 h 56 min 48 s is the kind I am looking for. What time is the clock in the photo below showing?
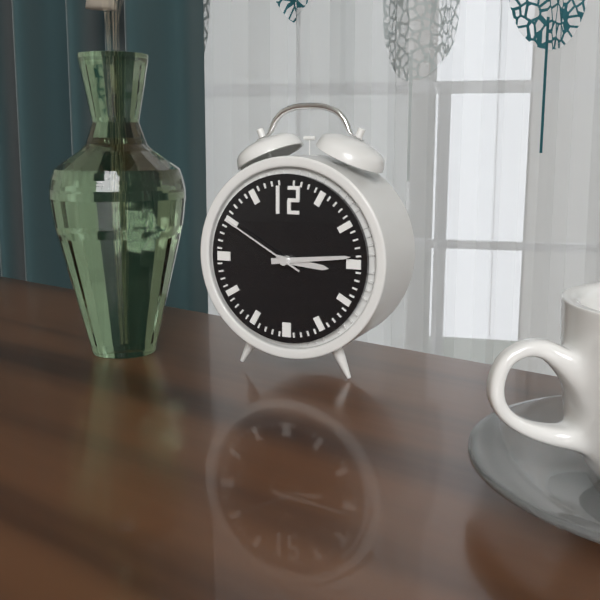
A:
3 h 14 min 50 s
